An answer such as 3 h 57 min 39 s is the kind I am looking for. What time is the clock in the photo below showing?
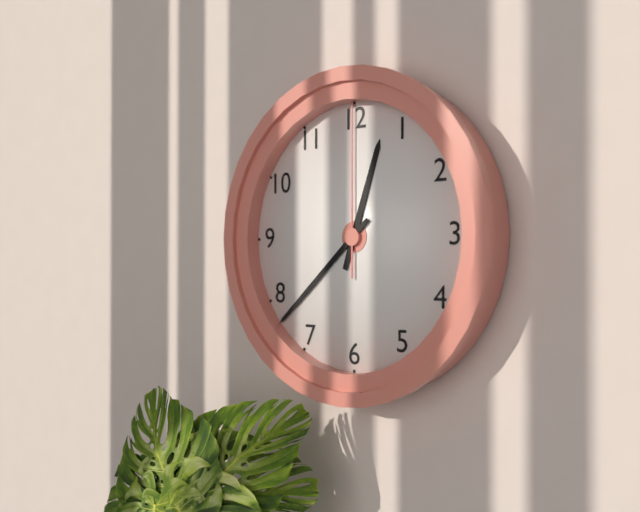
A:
12 h 38 min 00 s
